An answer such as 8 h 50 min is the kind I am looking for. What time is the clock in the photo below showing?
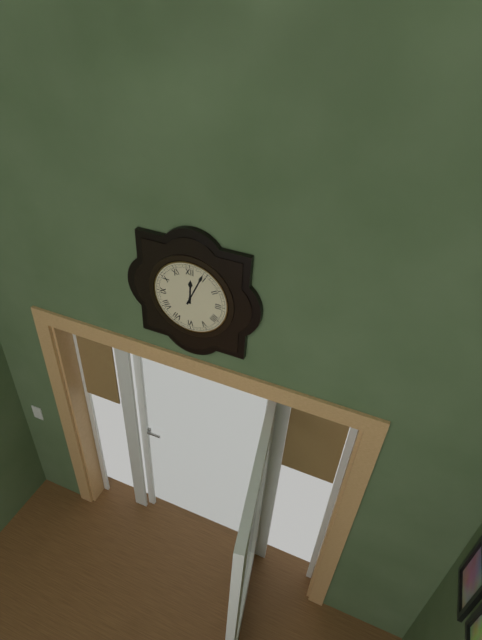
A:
12 h 04 min
